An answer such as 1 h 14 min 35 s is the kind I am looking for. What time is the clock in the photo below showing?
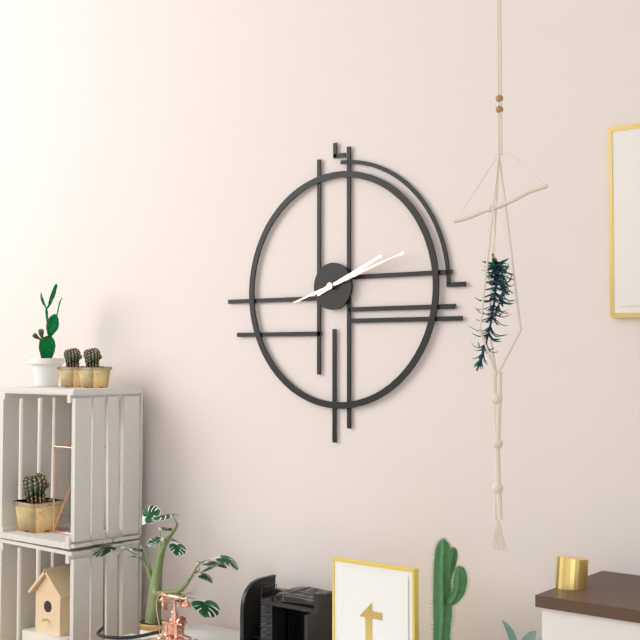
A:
2 h 12 min 12 s
